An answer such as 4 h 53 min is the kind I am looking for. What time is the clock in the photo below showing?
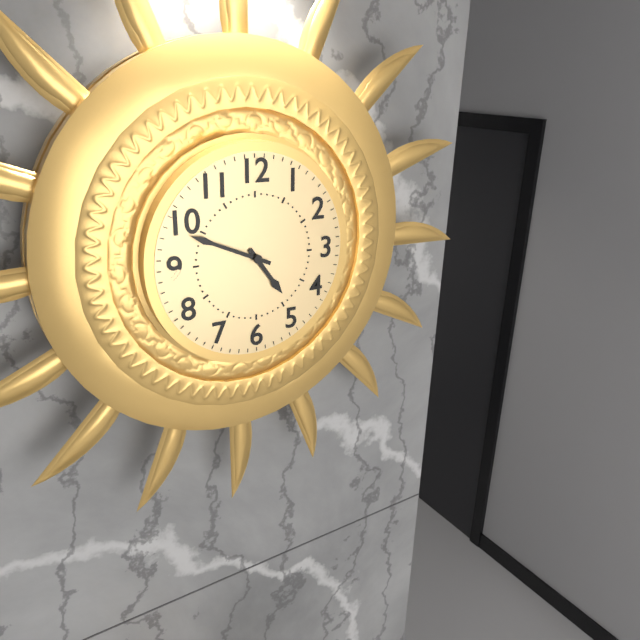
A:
4 h 49 min
